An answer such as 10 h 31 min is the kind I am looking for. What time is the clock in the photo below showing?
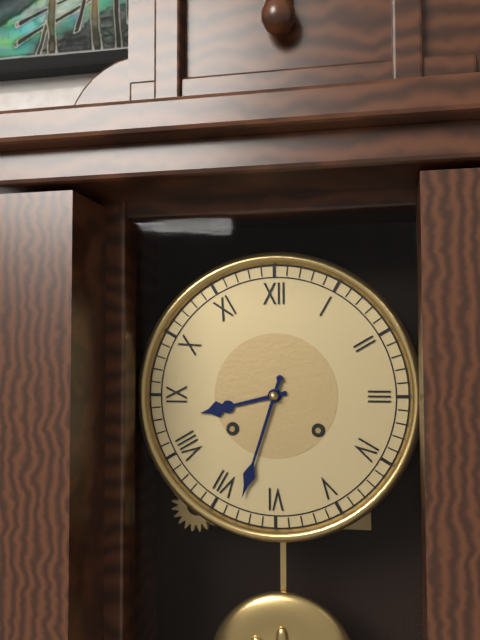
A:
8 h 33 min
